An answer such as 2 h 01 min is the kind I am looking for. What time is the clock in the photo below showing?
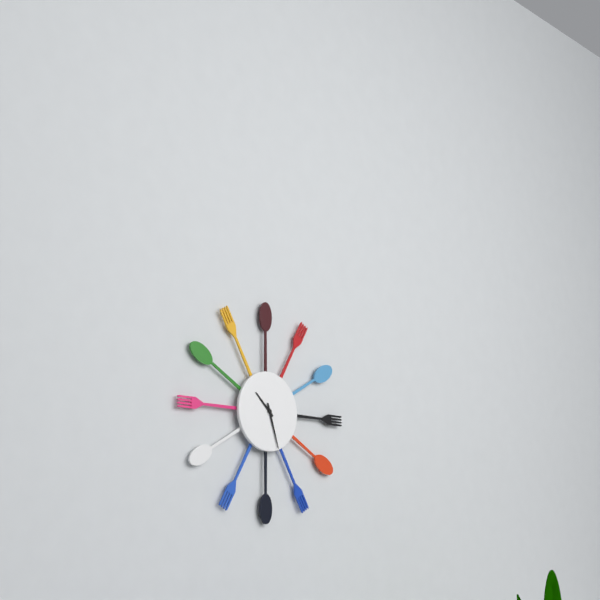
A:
10 h 27 min
